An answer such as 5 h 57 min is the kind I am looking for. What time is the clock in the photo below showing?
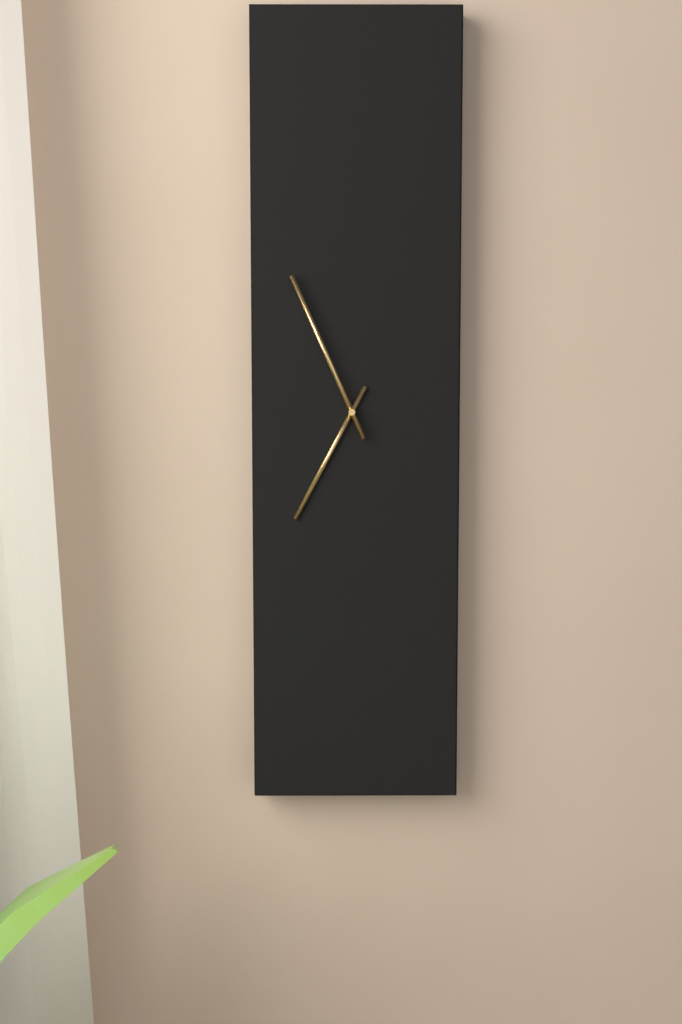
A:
6 h 56 min
